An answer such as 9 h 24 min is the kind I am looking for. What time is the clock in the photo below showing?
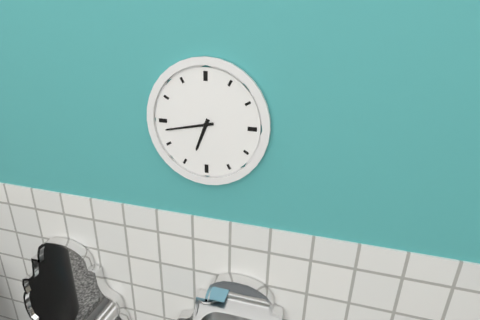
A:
6 h 43 min
